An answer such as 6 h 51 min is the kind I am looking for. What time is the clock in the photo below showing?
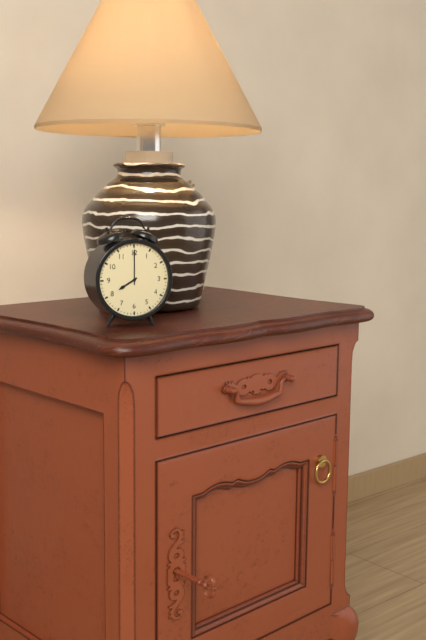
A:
8 h 00 min
